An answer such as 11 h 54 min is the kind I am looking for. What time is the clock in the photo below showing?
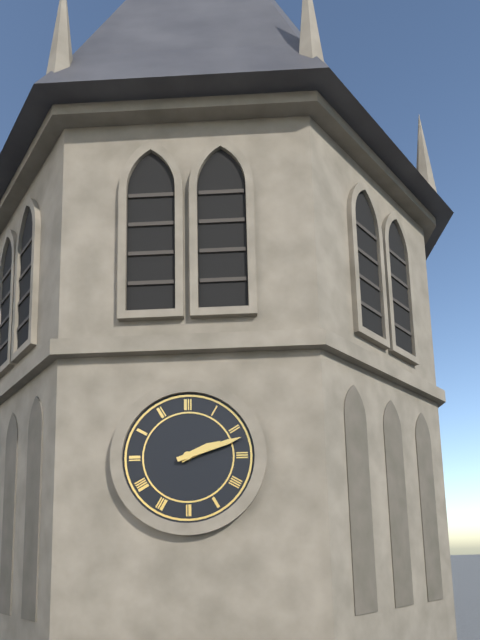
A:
2 h 12 min
